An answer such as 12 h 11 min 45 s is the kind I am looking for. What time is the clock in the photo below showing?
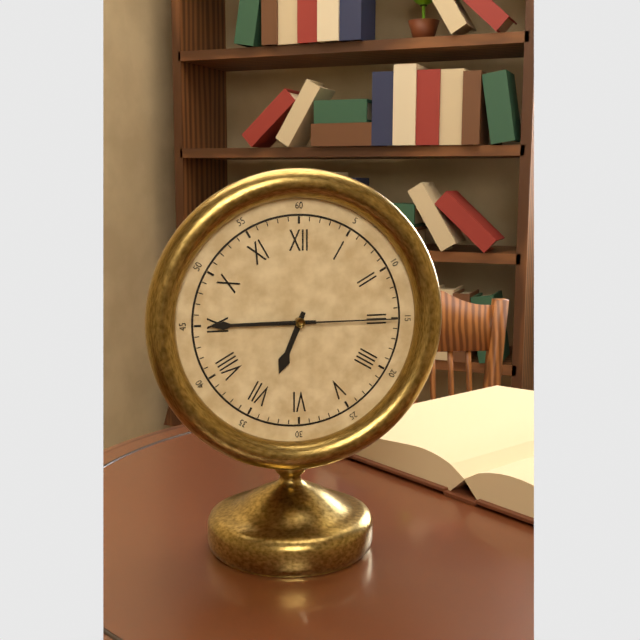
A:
6 h 45 min 15 s
